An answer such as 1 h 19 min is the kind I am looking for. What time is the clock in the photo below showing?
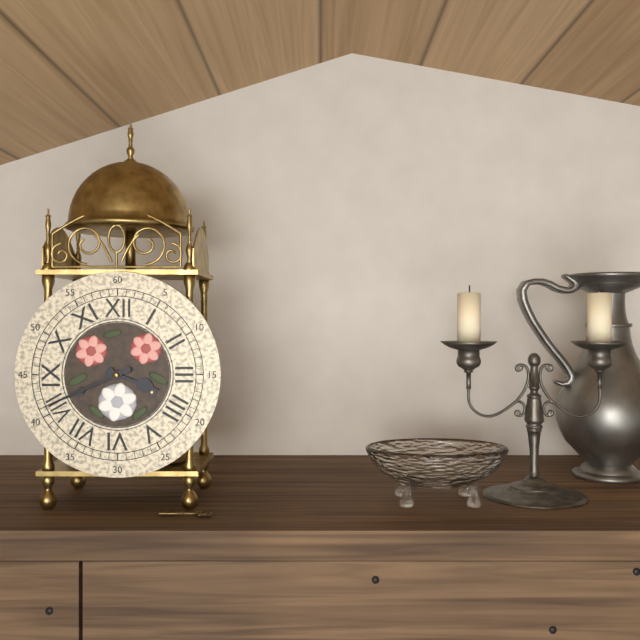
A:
3 h 41 min
